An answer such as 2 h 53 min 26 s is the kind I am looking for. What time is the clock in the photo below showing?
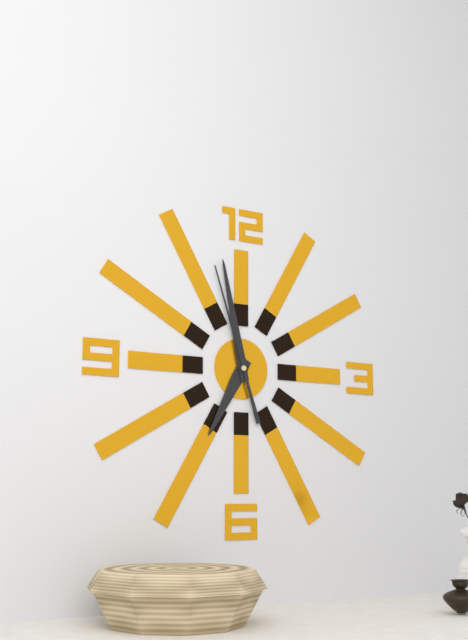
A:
6 h 58 min 57 s
